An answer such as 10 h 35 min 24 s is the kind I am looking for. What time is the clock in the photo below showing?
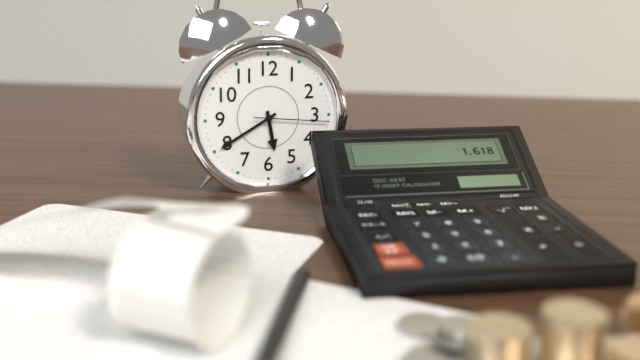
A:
5 h 40 min 16 s
